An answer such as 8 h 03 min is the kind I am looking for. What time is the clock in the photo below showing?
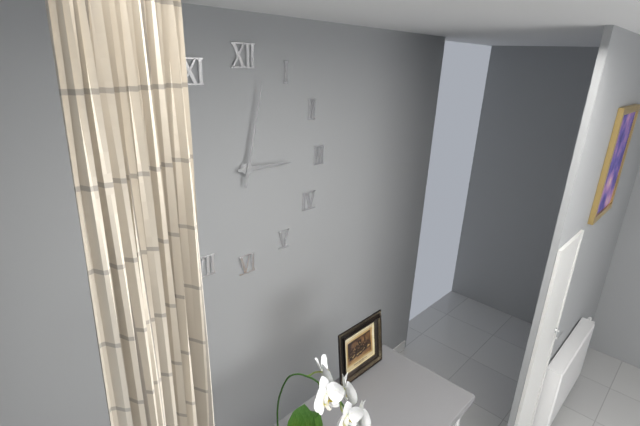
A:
3 h 02 min
